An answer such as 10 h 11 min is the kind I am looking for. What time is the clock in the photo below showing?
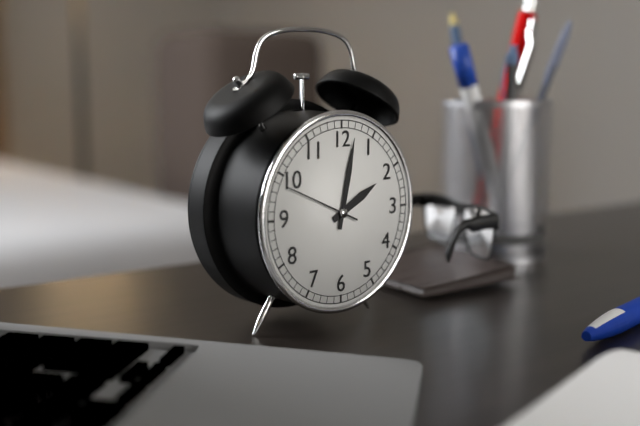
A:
2 h 02 min
